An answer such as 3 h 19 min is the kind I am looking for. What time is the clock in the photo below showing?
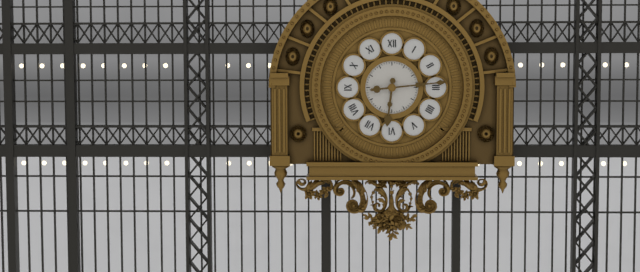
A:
6 h 14 min
